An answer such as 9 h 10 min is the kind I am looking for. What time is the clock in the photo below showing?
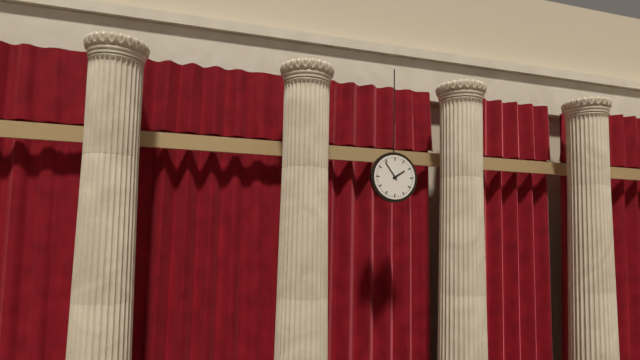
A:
1 h 54 min
